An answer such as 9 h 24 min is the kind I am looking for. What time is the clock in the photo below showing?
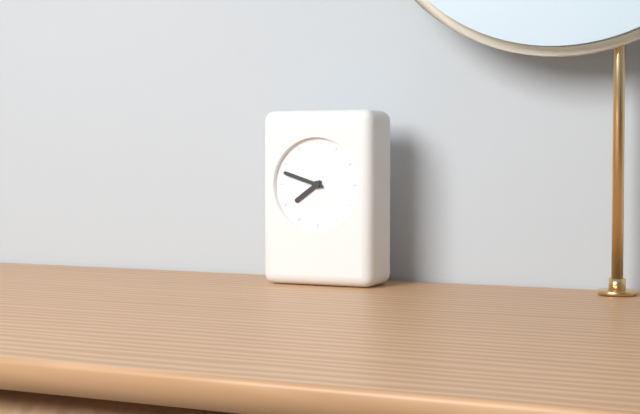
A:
7 h 48 min
